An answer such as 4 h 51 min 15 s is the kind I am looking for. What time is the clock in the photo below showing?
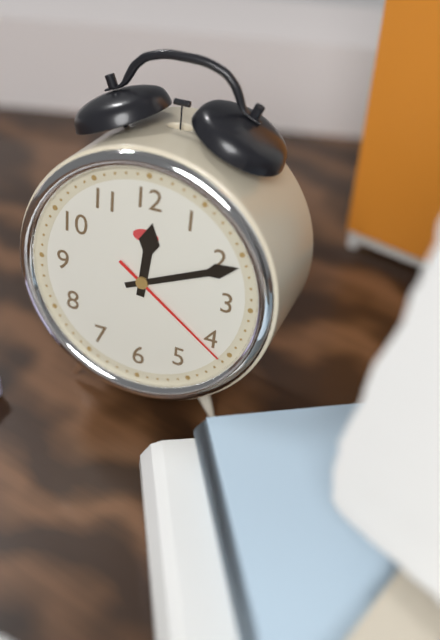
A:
12 h 11 min 21 s
